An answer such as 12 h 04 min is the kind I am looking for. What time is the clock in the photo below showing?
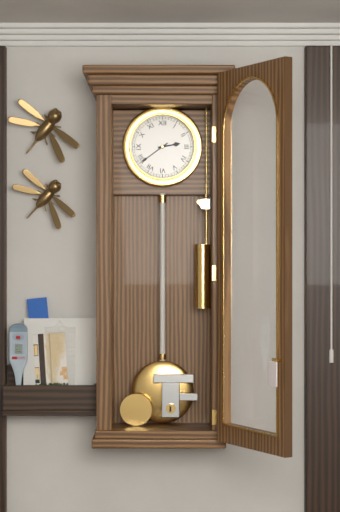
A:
2 h 39 min
